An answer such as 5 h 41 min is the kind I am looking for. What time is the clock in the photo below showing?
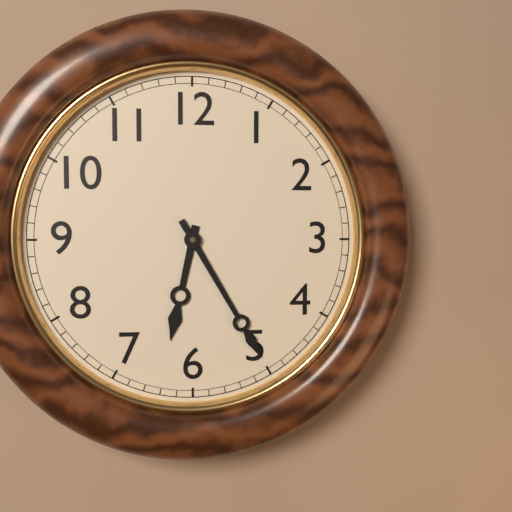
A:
6 h 25 min
